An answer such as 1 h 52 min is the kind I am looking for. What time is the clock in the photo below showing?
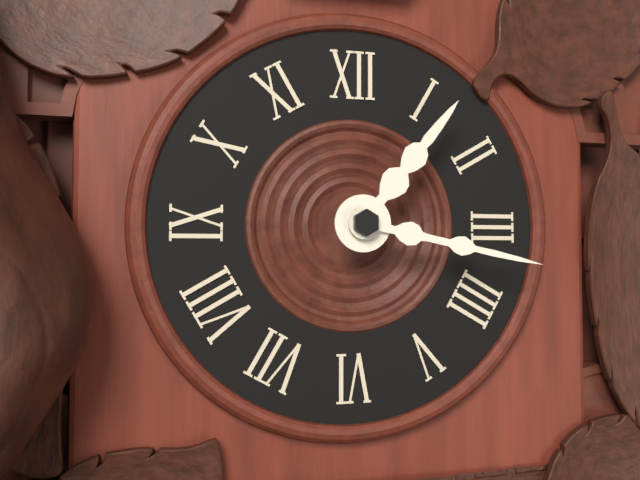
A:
1 h 17 min
